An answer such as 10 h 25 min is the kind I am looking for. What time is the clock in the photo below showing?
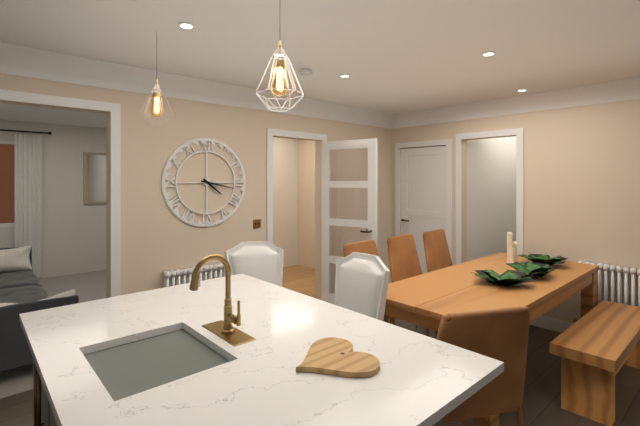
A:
4 h 17 min
